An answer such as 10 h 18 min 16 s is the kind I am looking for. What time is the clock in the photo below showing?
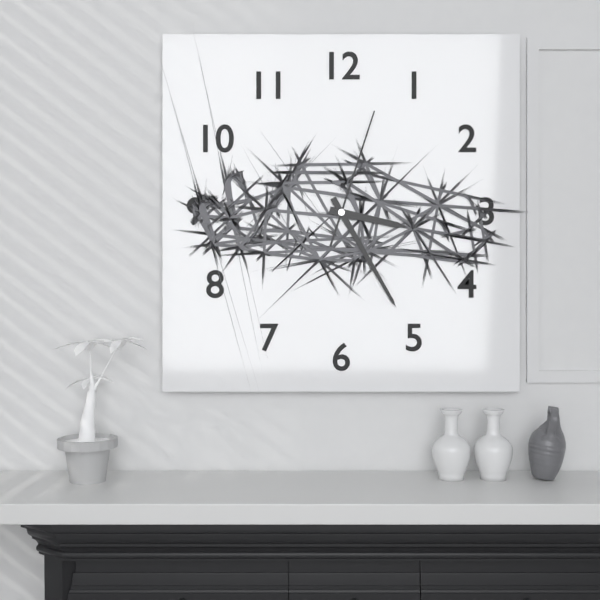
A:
3 h 25 min 03 s
